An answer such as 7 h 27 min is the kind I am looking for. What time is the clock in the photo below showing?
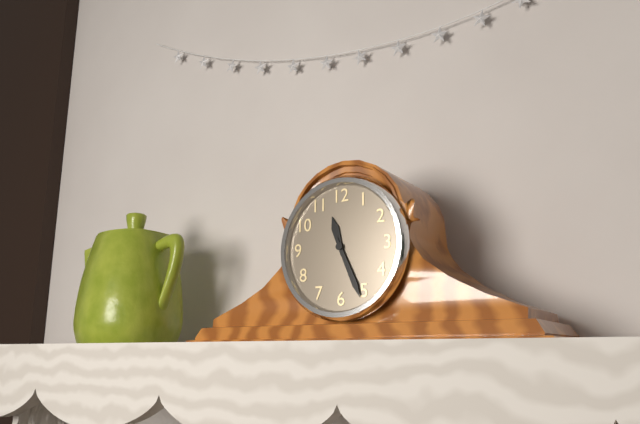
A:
11 h 26 min
